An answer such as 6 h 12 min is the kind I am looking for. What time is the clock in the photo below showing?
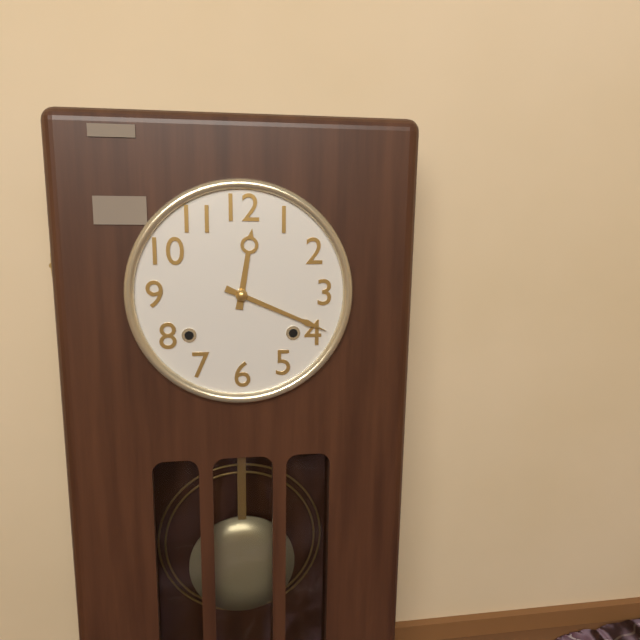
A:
12 h 19 min
